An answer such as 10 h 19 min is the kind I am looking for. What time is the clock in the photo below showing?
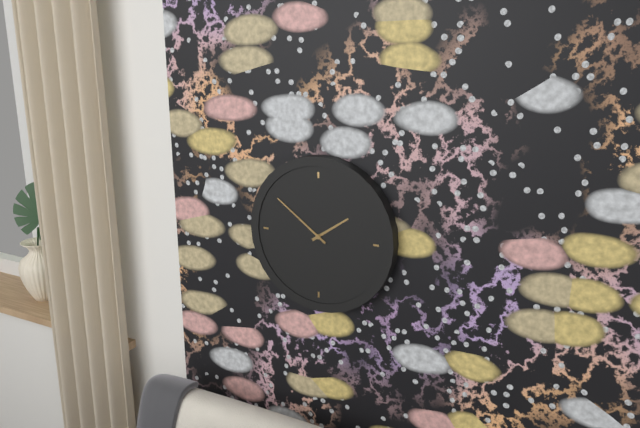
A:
1 h 51 min
